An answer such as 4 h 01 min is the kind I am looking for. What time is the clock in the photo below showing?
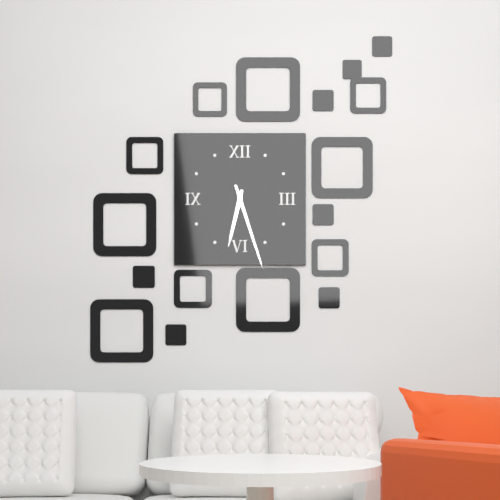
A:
6 h 27 min
